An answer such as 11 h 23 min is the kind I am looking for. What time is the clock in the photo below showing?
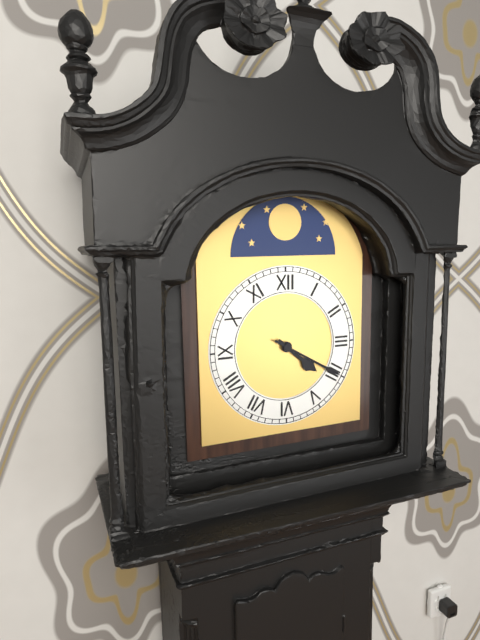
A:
4 h 20 min
